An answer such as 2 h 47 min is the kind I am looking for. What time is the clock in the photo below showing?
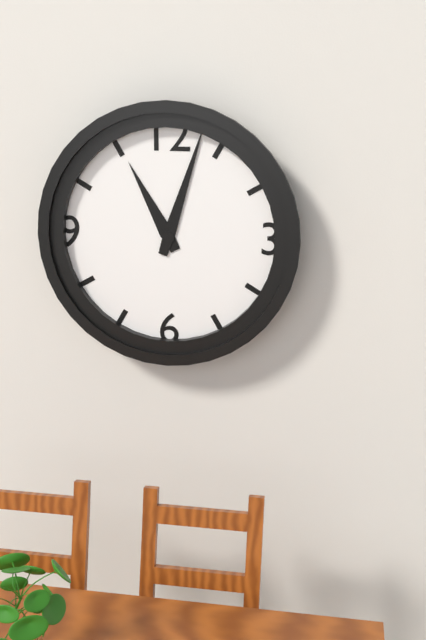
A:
11 h 03 min
